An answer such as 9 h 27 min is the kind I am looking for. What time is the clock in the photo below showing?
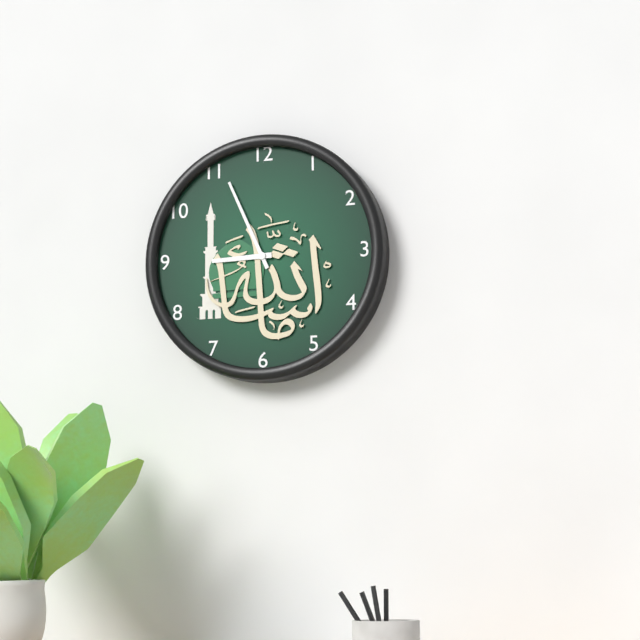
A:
8 h 56 min
